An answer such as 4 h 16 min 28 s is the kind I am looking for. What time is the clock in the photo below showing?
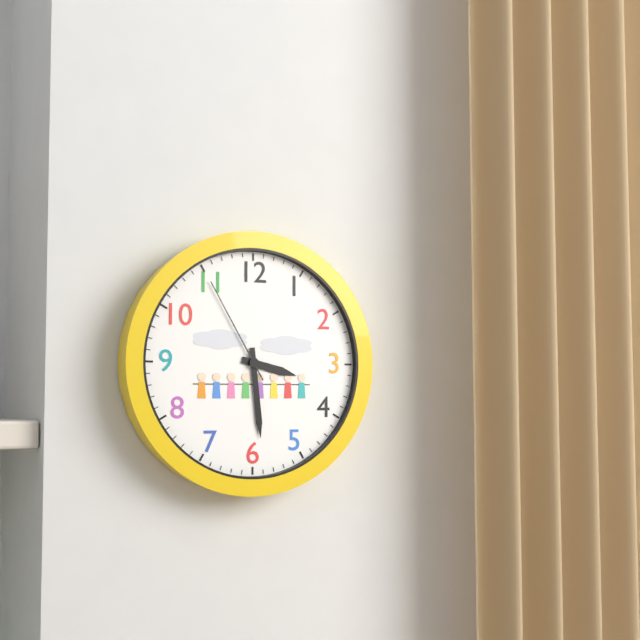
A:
3 h 29 min 55 s
